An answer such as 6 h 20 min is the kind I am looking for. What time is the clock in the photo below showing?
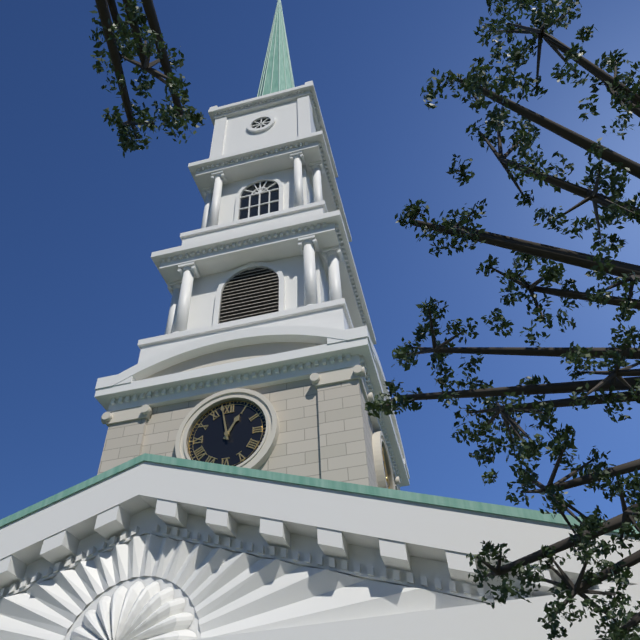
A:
12 h 58 min
